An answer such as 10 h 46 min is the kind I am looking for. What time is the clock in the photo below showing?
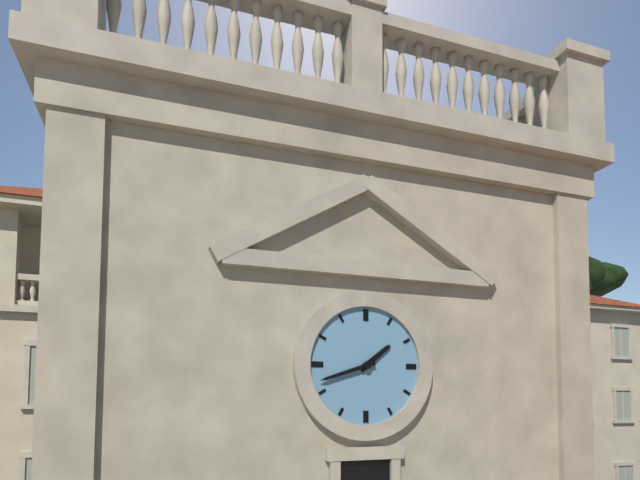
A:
1 h 42 min
